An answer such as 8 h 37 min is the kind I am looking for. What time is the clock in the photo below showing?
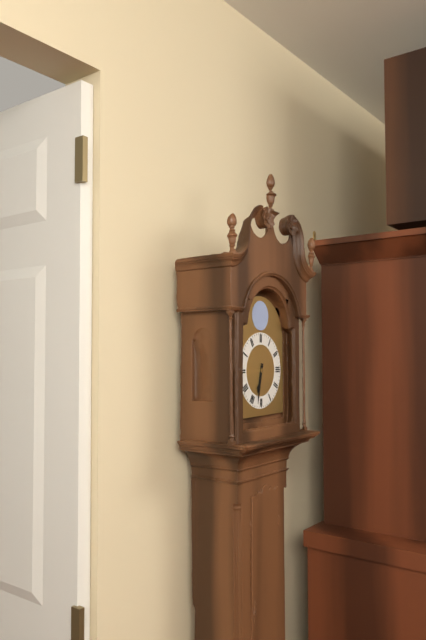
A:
6 h 32 min
